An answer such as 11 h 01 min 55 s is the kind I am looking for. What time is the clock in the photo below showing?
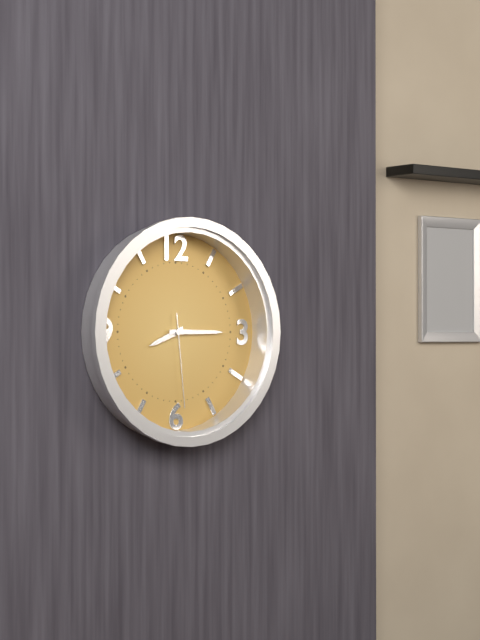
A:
8 h 15 min 29 s
